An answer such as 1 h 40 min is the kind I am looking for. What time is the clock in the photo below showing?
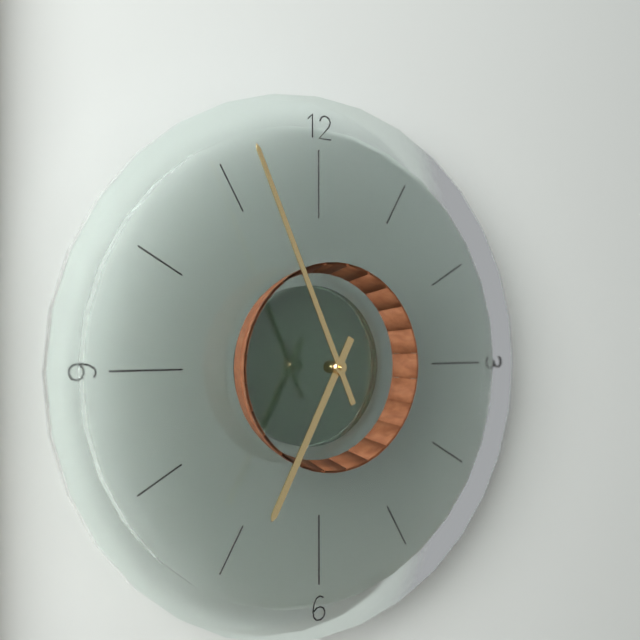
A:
6 h 56 min
